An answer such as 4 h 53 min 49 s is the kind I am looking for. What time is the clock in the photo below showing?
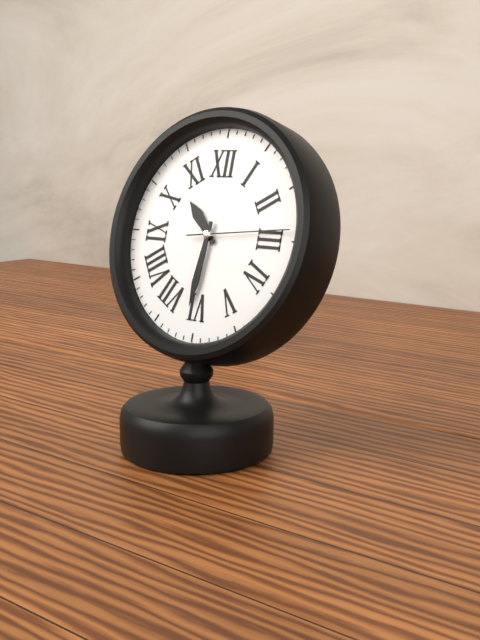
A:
10 h 31 min 14 s
